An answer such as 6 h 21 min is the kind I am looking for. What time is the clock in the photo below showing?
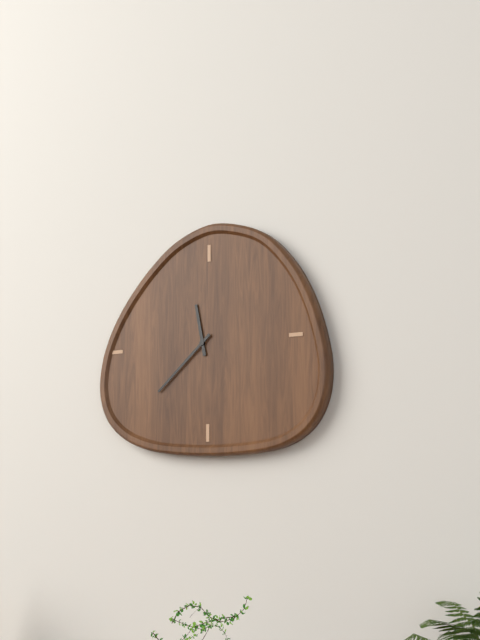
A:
11 h 38 min
